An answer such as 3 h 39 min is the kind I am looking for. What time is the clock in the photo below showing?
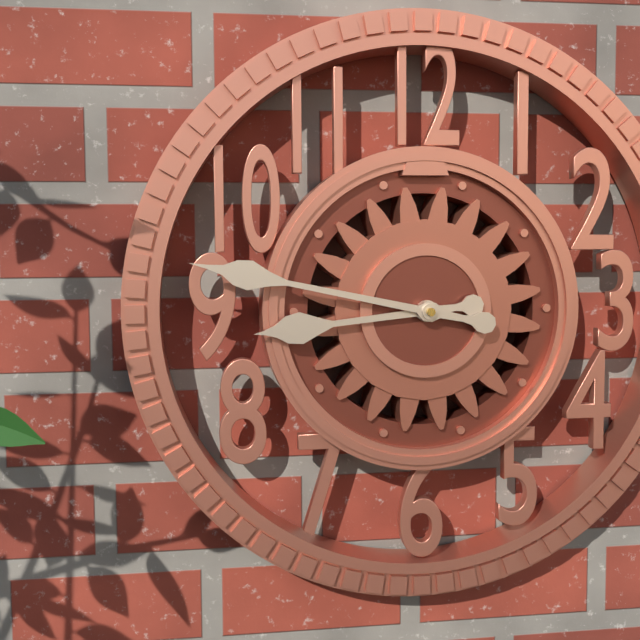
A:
8 h 47 min
